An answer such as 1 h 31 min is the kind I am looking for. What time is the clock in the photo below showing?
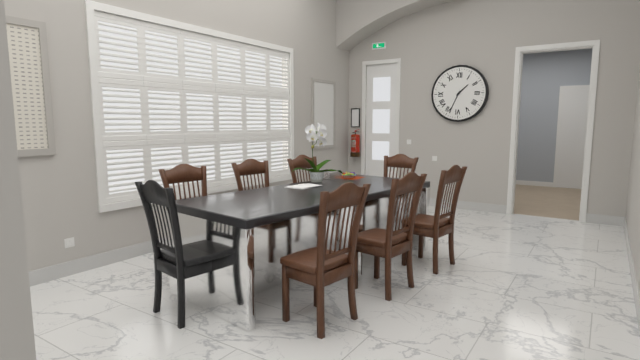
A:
1 h 34 min
